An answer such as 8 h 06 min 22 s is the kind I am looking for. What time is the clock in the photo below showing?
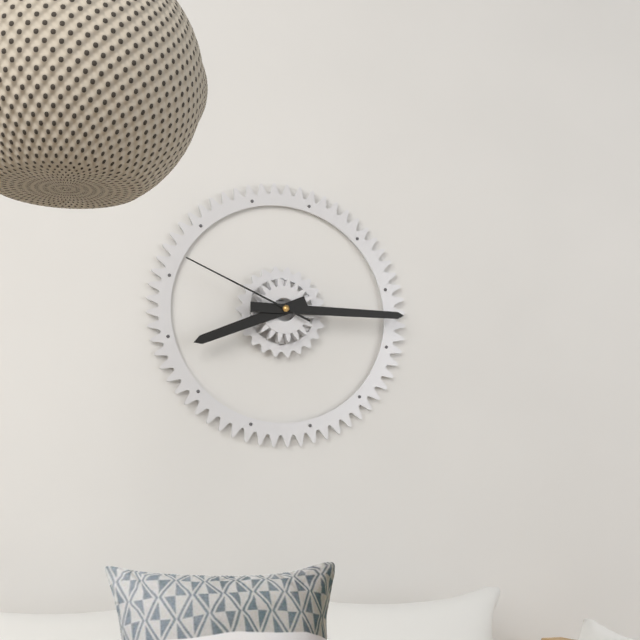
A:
8 h 15 min 49 s
